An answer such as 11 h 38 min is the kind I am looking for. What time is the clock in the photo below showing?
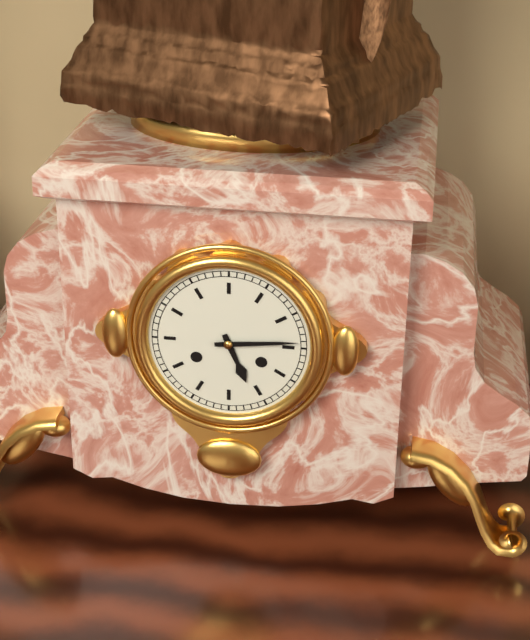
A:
5 h 14 min
